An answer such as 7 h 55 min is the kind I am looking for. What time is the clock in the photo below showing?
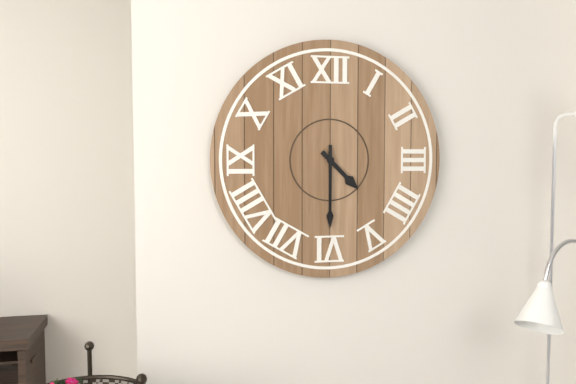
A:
4 h 30 min
